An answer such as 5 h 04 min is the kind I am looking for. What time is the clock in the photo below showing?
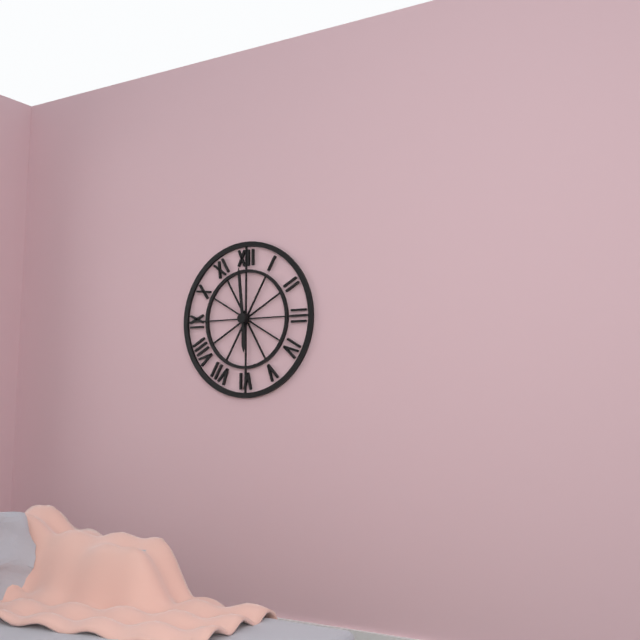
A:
5 h 59 min
